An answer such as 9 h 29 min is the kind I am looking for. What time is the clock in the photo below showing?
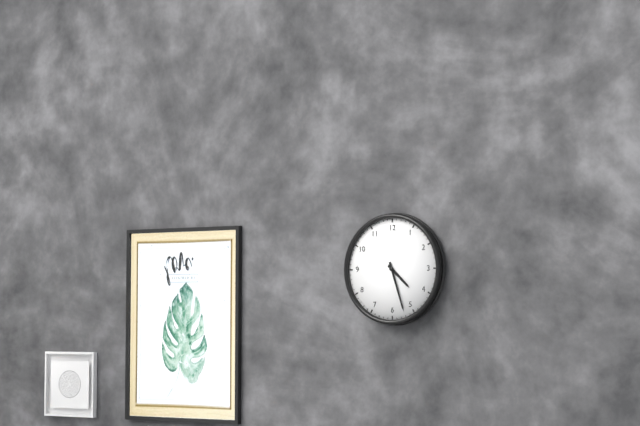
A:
4 h 27 min
